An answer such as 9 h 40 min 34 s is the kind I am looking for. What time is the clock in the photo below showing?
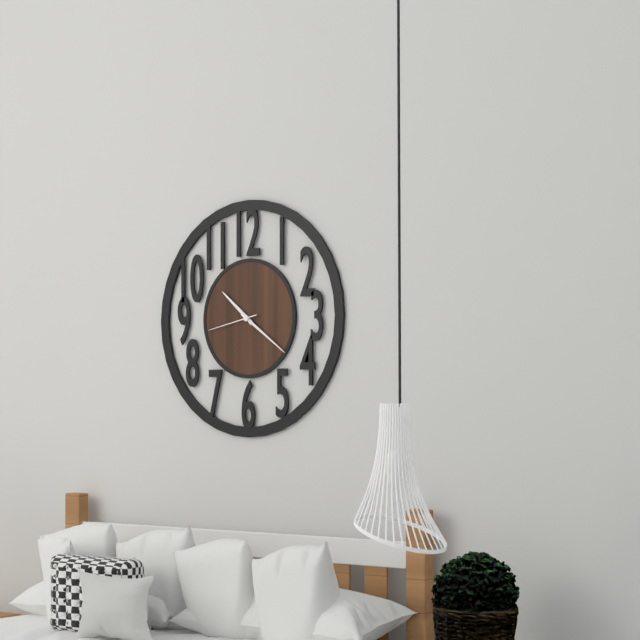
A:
10 h 21 min 43 s
